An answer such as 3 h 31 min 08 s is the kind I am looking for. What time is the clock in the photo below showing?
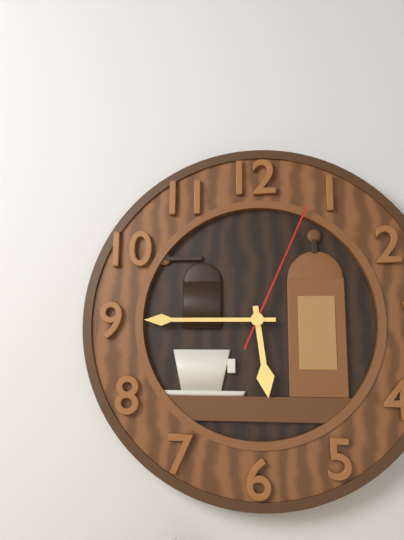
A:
5 h 45 min 04 s
